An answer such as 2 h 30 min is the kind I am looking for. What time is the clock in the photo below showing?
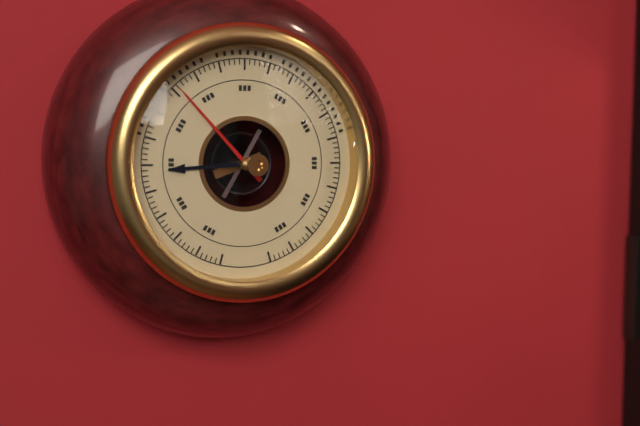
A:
8 h 53 min
